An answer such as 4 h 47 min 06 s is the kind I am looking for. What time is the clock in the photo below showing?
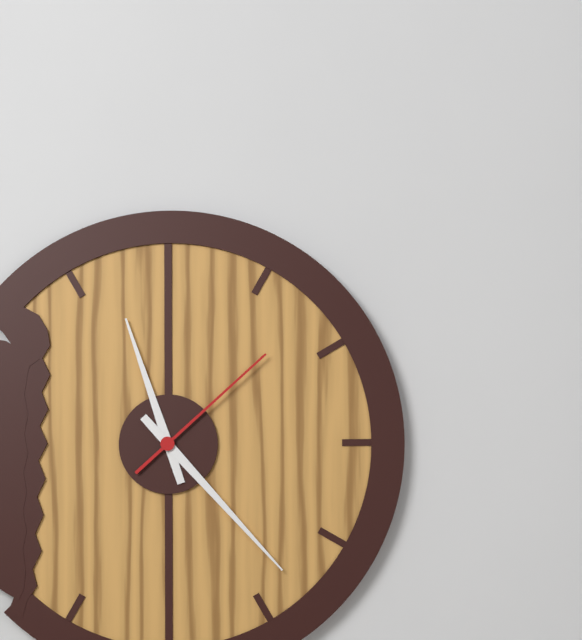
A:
11 h 23 min 08 s
